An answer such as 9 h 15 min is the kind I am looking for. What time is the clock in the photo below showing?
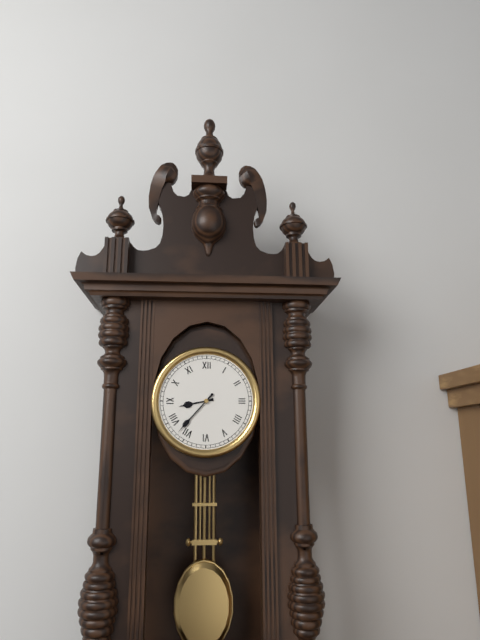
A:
8 h 37 min
